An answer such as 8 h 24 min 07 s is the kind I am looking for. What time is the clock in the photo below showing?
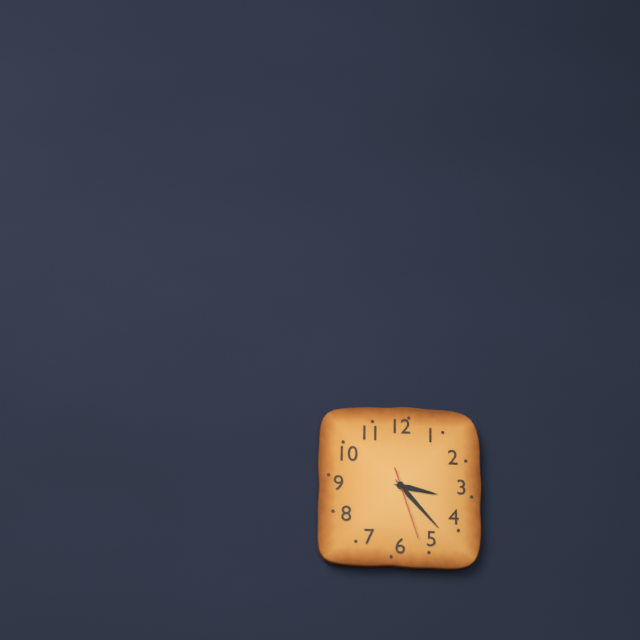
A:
3 h 23 min 27 s
